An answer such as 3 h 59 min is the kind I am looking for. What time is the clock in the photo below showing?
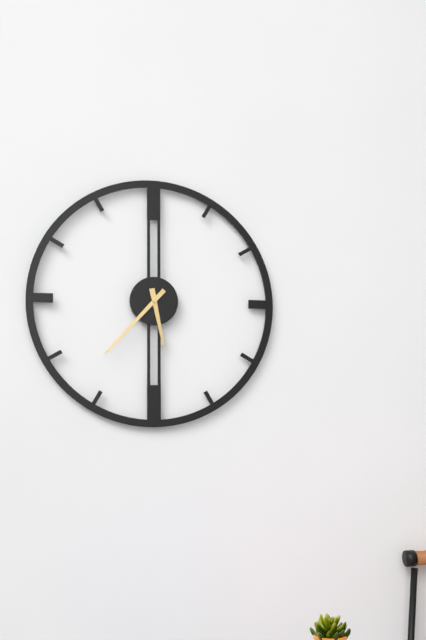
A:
5 h 37 min
